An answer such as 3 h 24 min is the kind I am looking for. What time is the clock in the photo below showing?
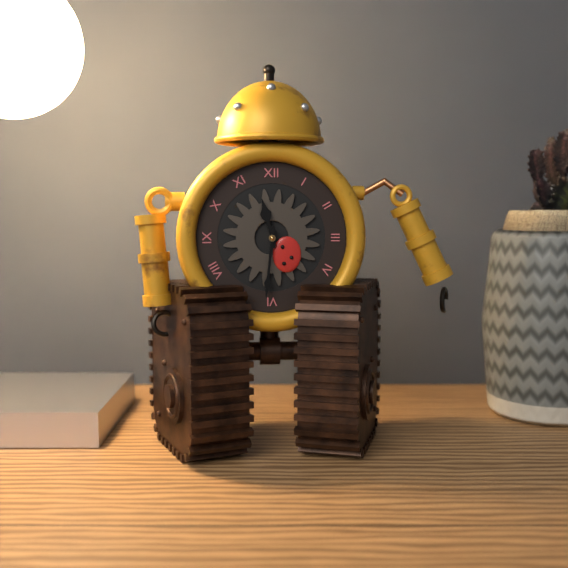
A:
11 h 31 min
